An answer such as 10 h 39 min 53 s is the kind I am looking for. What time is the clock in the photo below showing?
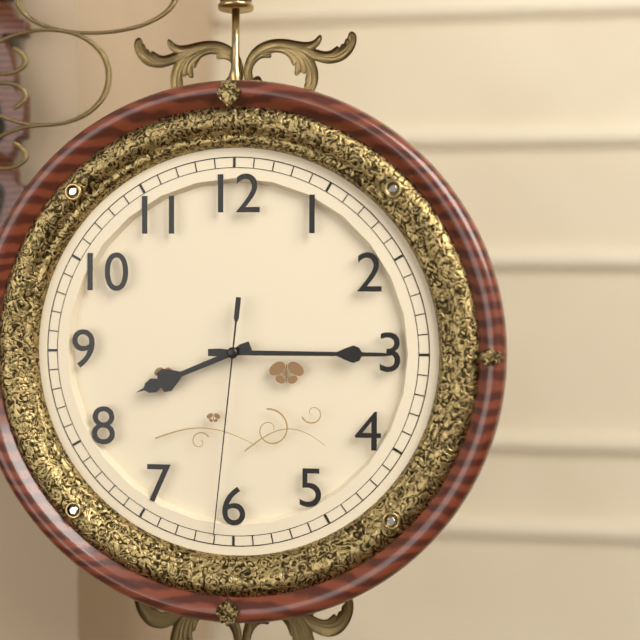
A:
8 h 15 min 31 s
